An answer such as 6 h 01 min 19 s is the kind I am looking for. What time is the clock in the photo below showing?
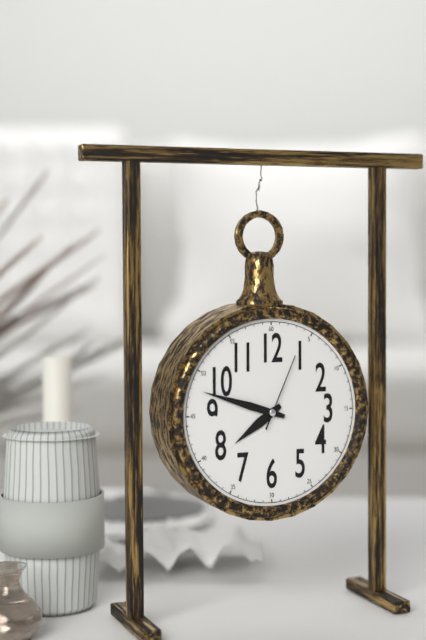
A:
7 h 48 min 04 s
